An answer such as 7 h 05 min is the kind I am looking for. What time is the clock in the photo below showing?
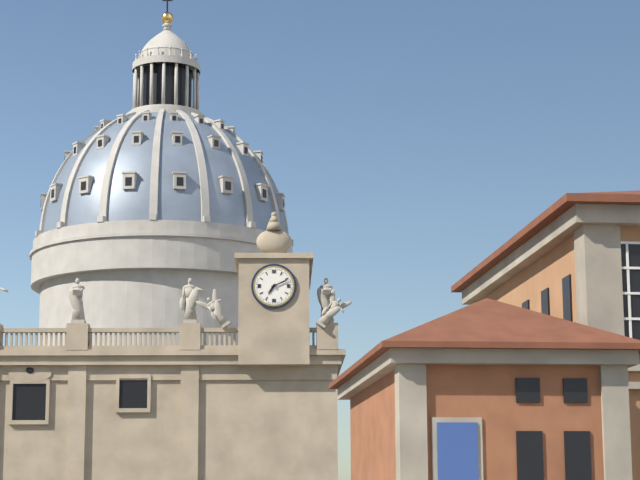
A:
7 h 11 min
